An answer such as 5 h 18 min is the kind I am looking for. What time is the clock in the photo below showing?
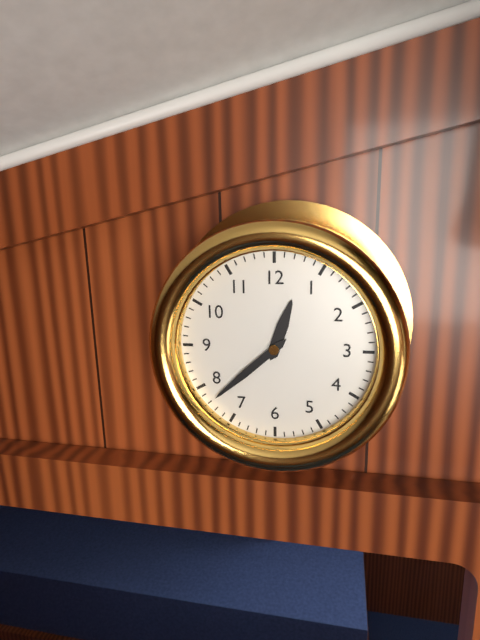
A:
12 h 38 min
